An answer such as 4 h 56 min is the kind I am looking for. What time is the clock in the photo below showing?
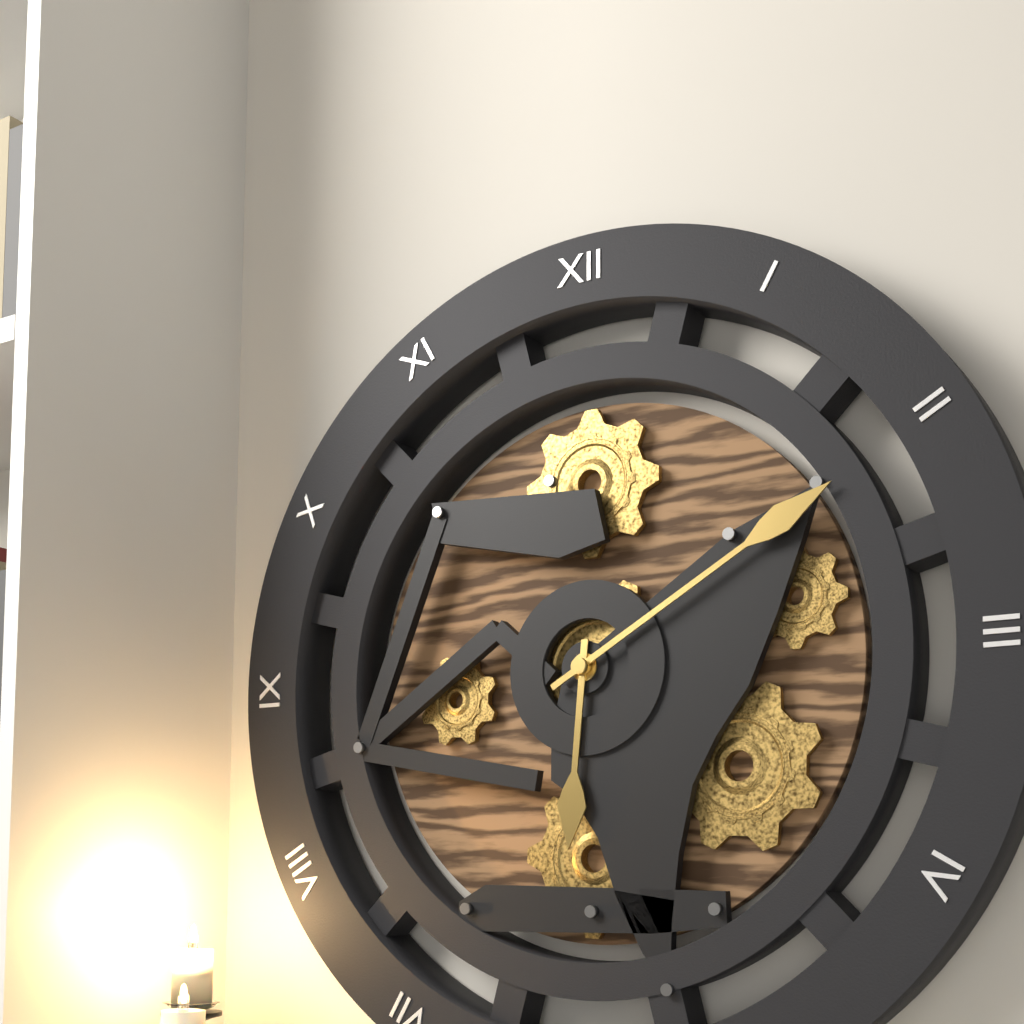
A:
6 h 10 min
